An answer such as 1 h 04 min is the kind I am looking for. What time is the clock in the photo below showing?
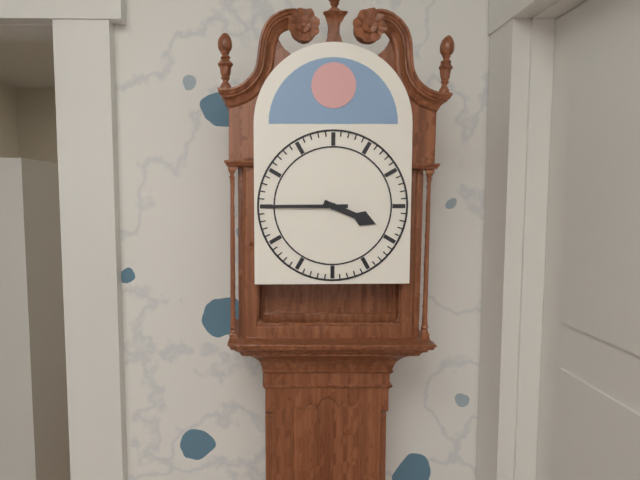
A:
3 h 45 min
